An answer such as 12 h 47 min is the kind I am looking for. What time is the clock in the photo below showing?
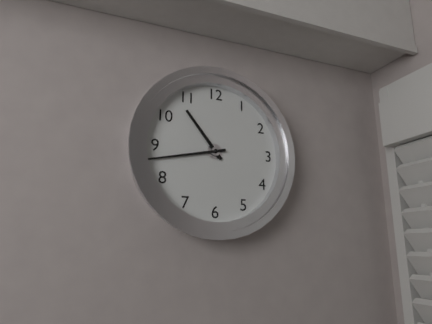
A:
10 h 43 min
